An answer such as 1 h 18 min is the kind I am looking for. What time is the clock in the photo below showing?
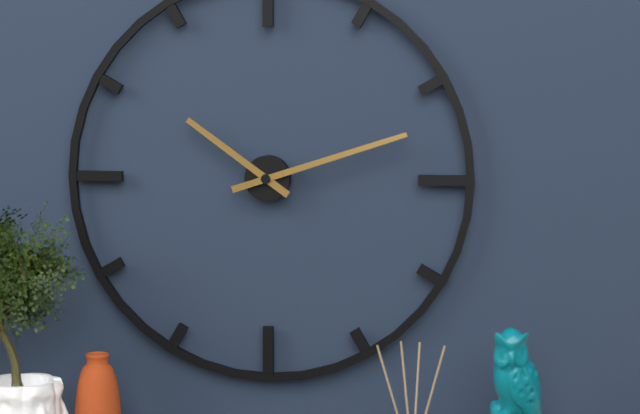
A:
10 h 12 min
